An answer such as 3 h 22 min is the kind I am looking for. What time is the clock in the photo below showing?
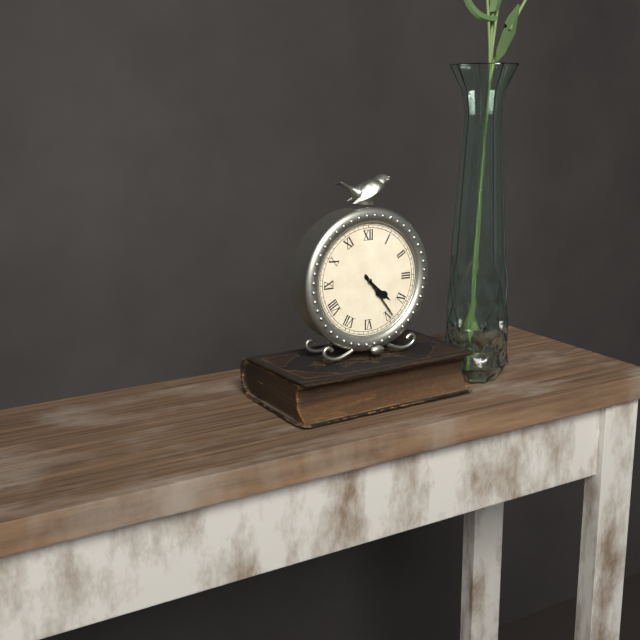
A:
4 h 24 min
